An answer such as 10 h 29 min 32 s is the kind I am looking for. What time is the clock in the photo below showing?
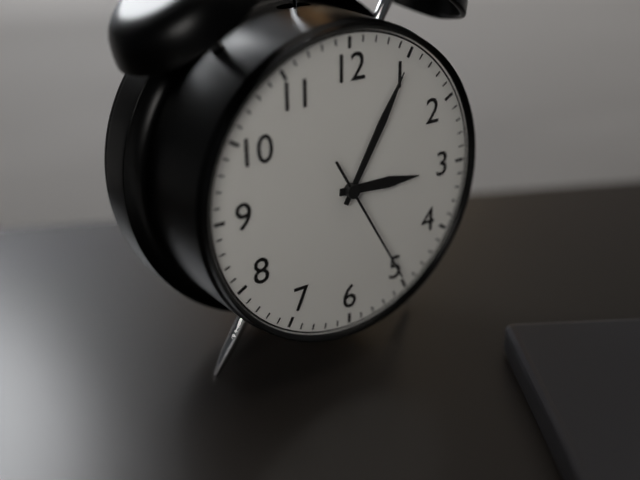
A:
3 h 05 min 25 s
